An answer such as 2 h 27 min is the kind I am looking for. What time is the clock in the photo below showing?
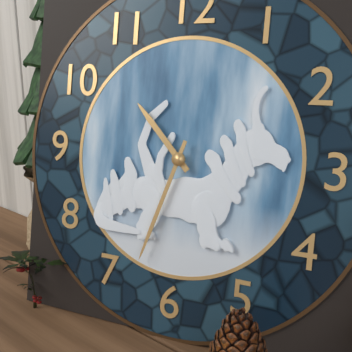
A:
10 h 33 min
